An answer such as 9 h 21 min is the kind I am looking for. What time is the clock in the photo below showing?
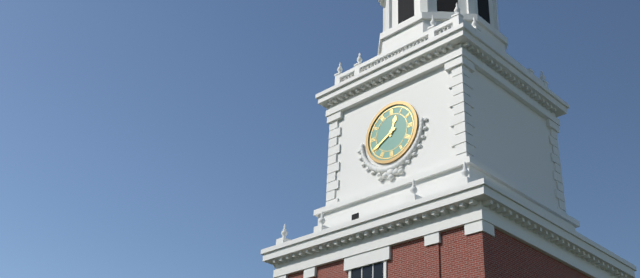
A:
12 h 40 min
